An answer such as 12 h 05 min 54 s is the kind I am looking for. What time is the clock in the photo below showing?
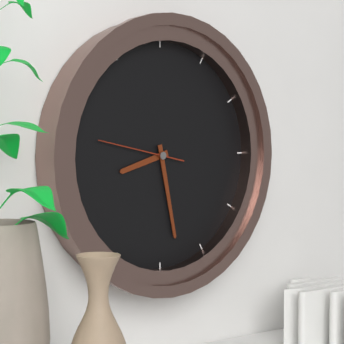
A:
8 h 28 min 47 s
